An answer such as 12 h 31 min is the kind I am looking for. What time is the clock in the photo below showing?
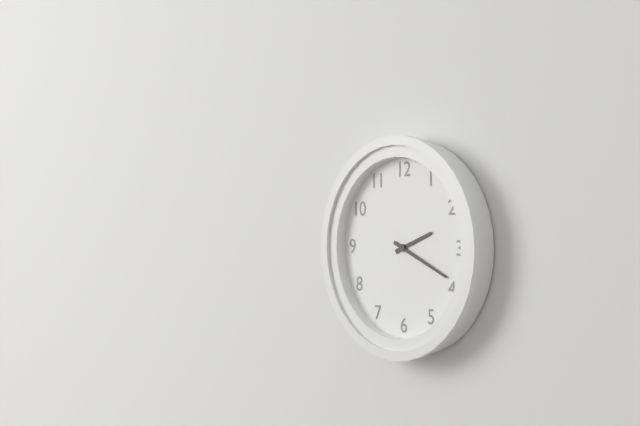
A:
2 h 19 min
